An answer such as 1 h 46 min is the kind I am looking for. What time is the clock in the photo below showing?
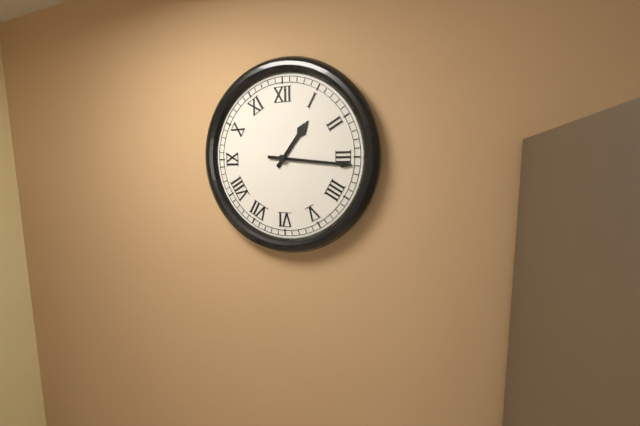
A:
1 h 16 min
